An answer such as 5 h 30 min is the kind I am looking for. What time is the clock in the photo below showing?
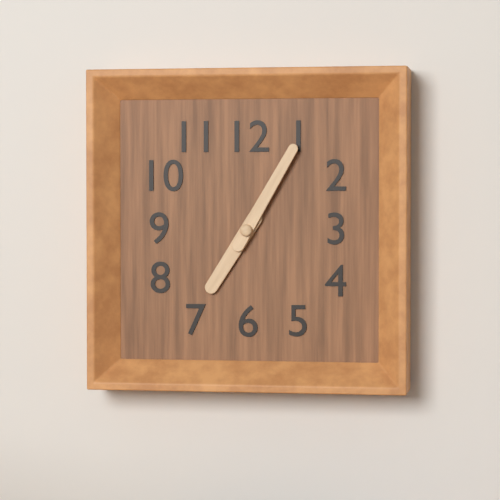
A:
7 h 05 min
